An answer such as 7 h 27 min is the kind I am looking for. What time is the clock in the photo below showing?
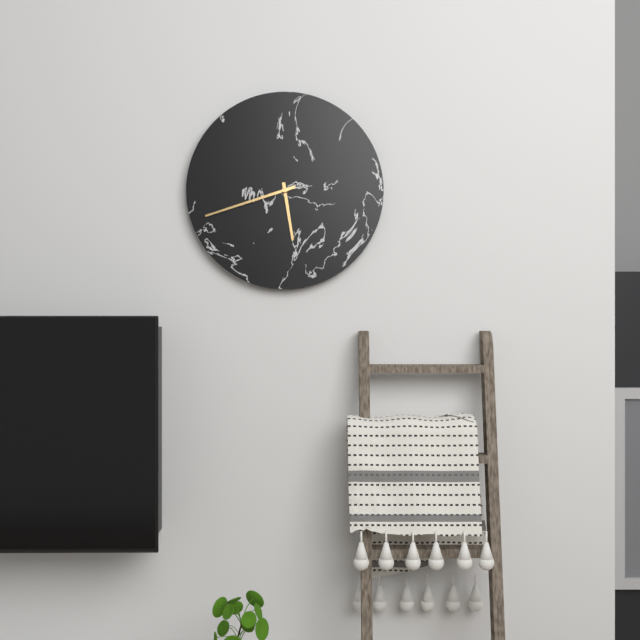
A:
5 h 42 min
